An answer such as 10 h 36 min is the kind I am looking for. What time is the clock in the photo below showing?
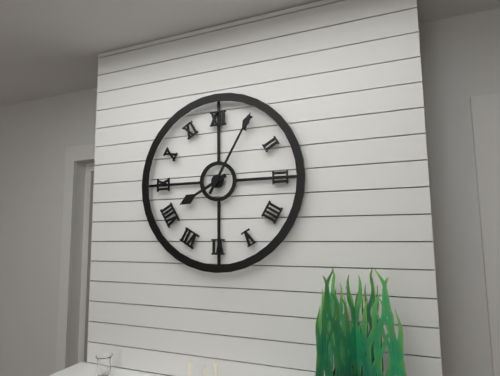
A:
8 h 05 min
